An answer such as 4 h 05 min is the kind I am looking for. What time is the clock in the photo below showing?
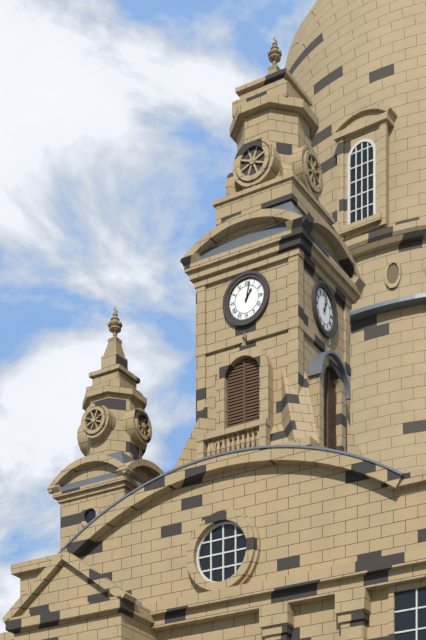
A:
1 h 02 min
